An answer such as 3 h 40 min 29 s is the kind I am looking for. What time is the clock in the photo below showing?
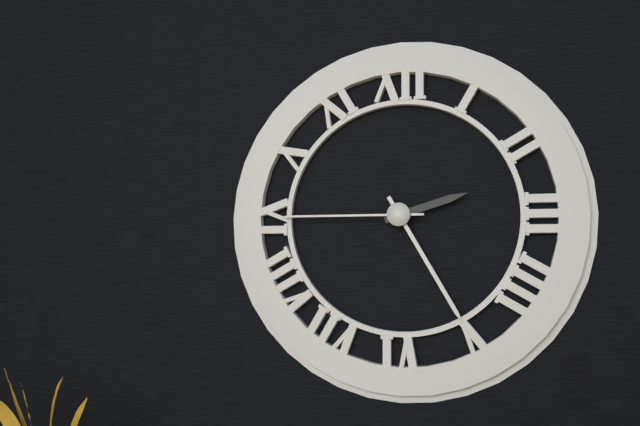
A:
2 h 25 min 45 s
